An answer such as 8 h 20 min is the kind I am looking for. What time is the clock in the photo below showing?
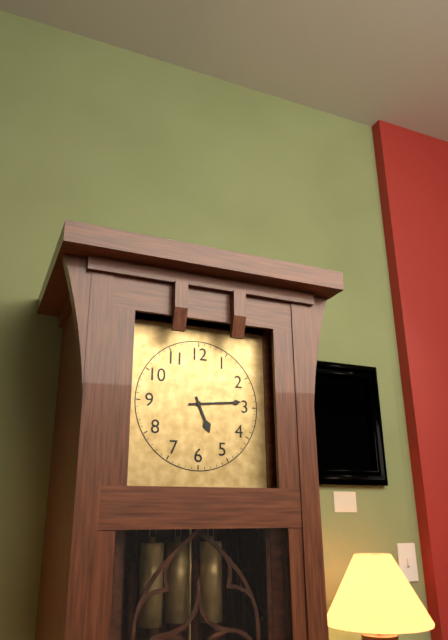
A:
5 h 14 min
